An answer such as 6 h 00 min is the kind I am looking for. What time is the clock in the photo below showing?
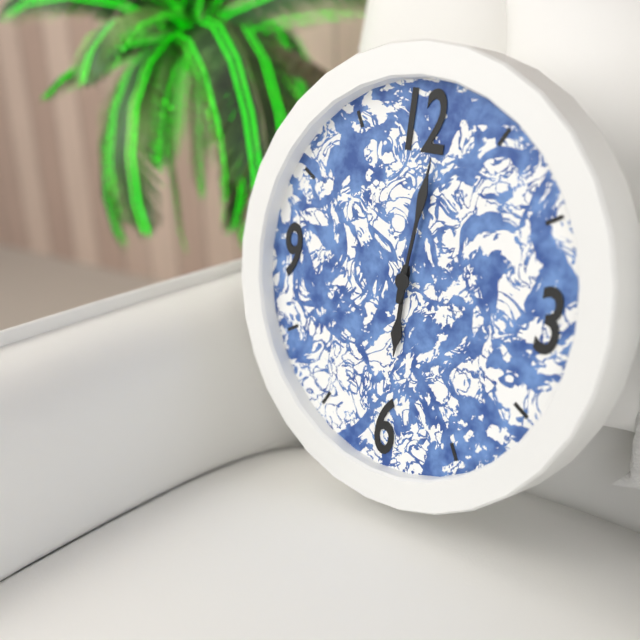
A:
6 h 01 min
